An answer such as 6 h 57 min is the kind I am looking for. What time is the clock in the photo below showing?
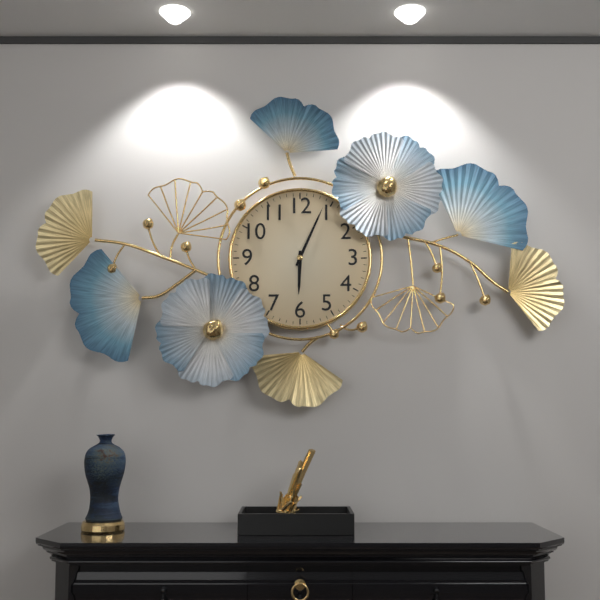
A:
6 h 04 min
